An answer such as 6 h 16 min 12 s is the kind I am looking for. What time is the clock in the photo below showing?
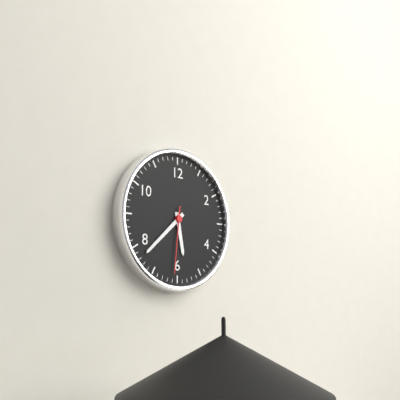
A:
5 h 38 min 31 s
